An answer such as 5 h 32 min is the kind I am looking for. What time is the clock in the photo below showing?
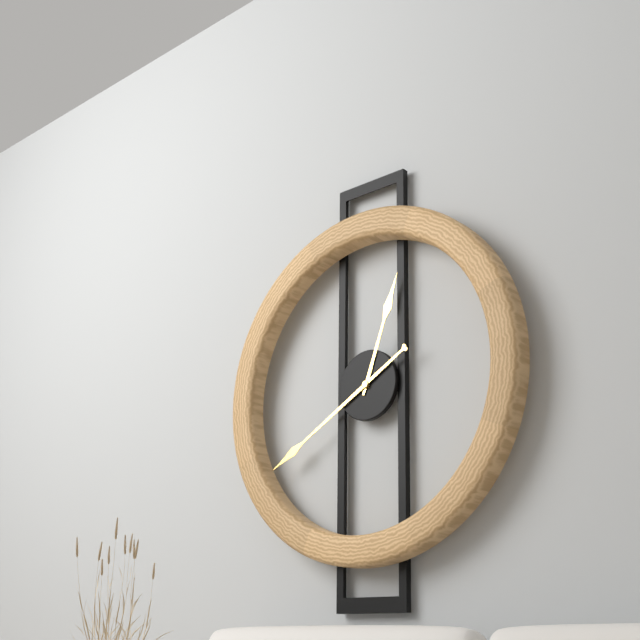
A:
12 h 40 min
